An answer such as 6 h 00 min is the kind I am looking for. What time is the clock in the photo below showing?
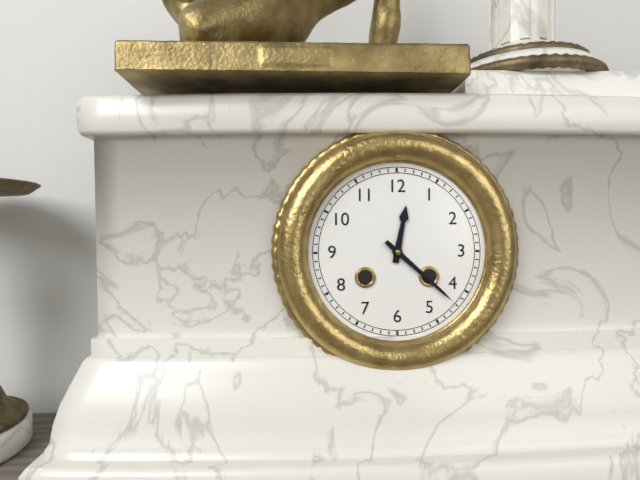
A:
12 h 22 min
